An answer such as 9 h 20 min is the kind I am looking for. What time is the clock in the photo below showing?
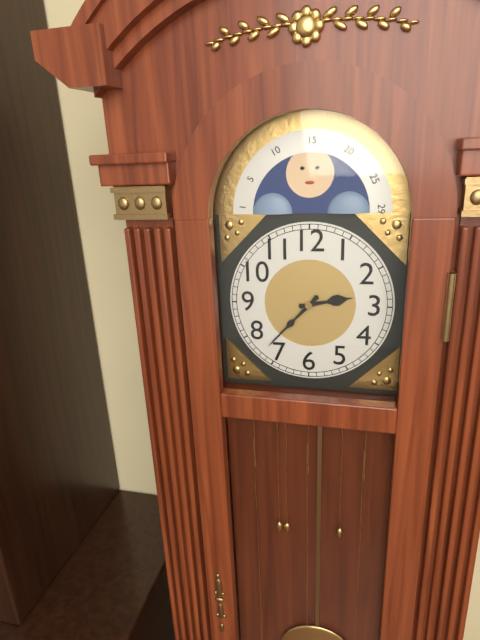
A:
2 h 37 min
